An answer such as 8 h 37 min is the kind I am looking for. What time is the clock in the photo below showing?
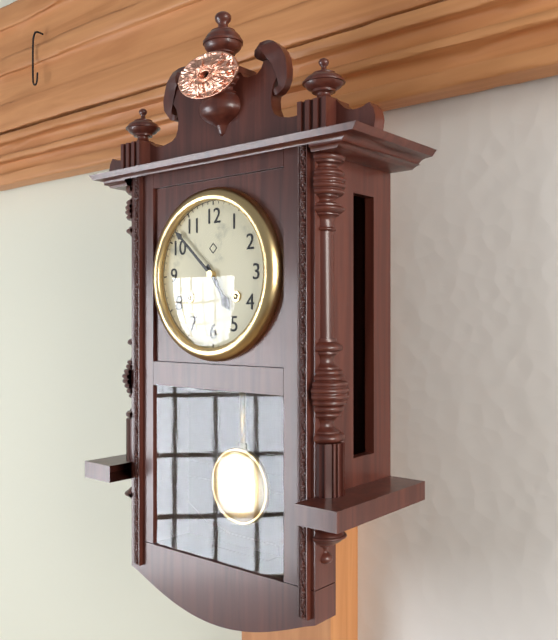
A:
4 h 52 min
